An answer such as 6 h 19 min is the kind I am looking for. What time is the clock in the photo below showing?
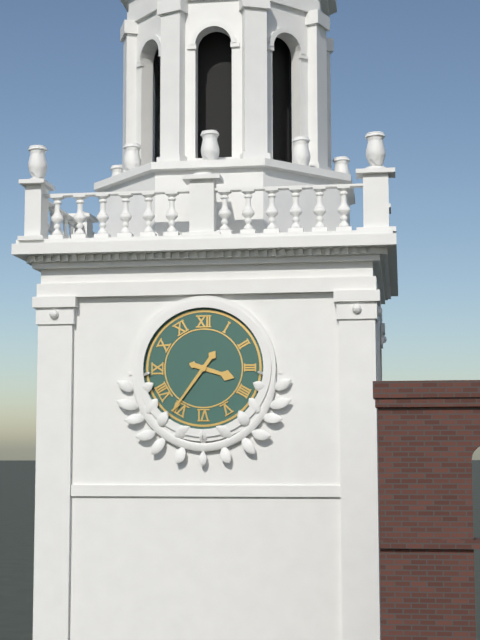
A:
3 h 36 min
